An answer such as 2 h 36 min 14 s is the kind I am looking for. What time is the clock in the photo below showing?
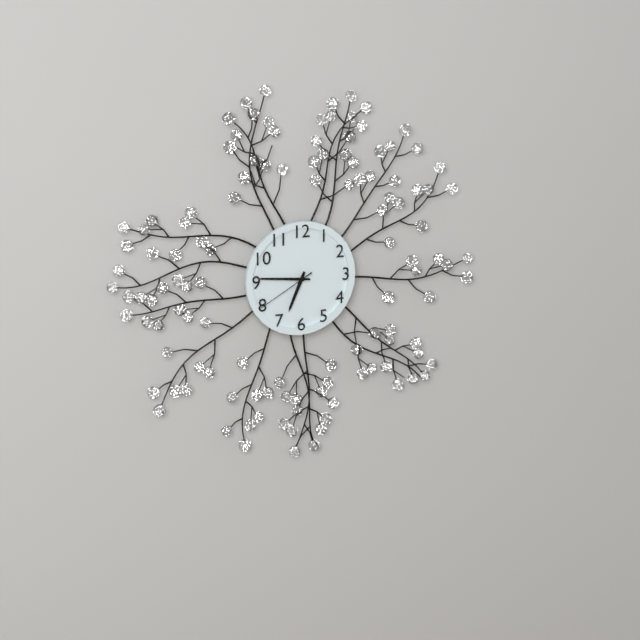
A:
6 h 46 min 40 s
